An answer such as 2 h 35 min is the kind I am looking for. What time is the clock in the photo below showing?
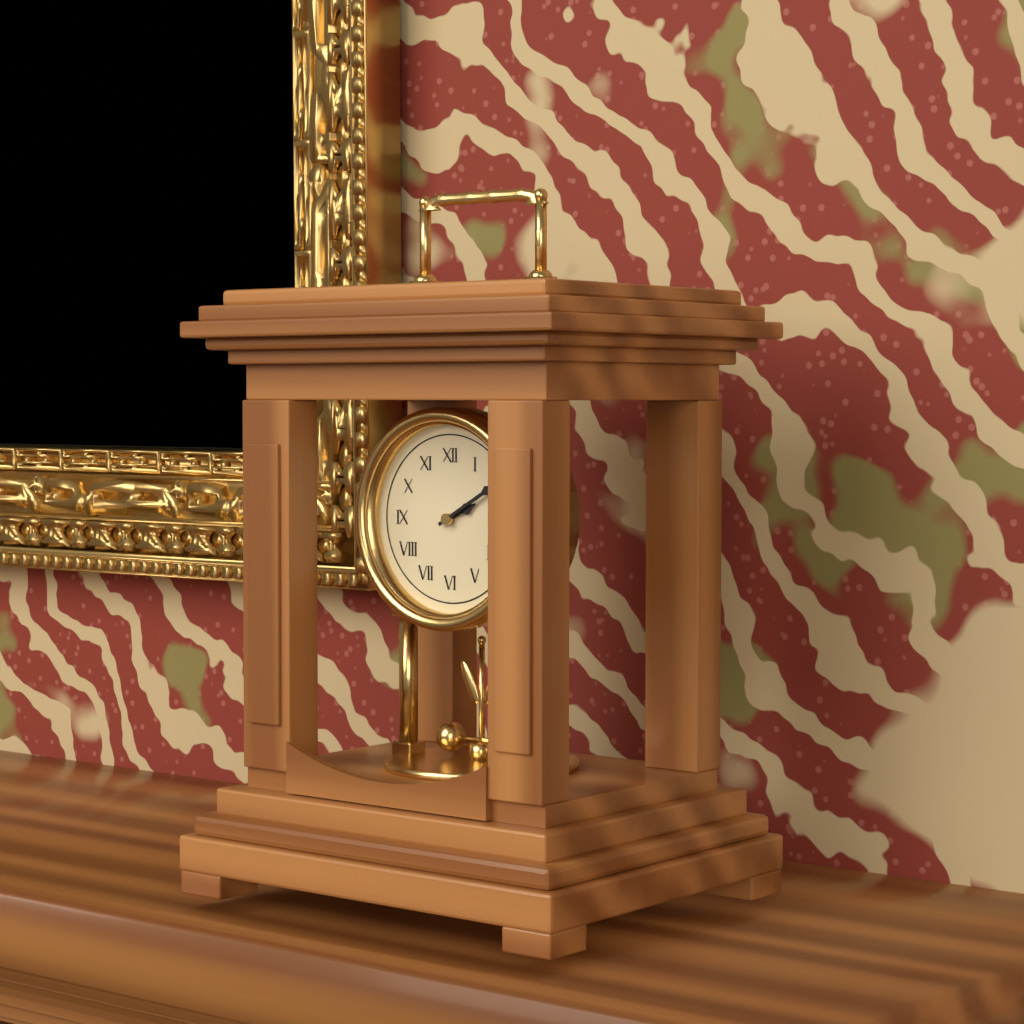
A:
2 h 10 min
